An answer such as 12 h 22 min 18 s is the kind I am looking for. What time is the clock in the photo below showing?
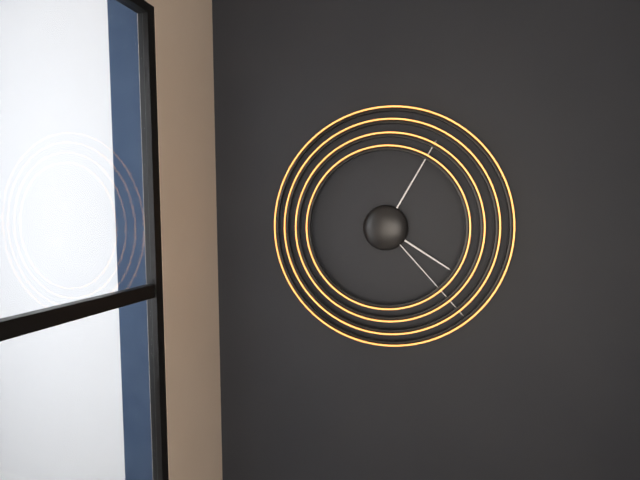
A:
4 h 05 min 23 s
